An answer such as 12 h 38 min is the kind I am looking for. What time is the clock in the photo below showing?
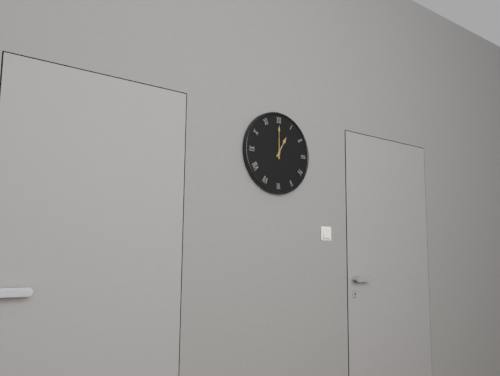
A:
1 h 00 min
